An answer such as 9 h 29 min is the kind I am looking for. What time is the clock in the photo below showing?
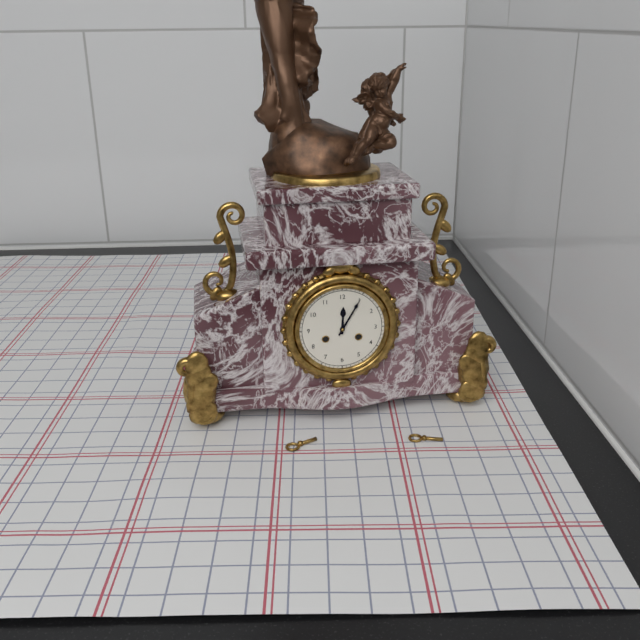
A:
12 h 05 min
